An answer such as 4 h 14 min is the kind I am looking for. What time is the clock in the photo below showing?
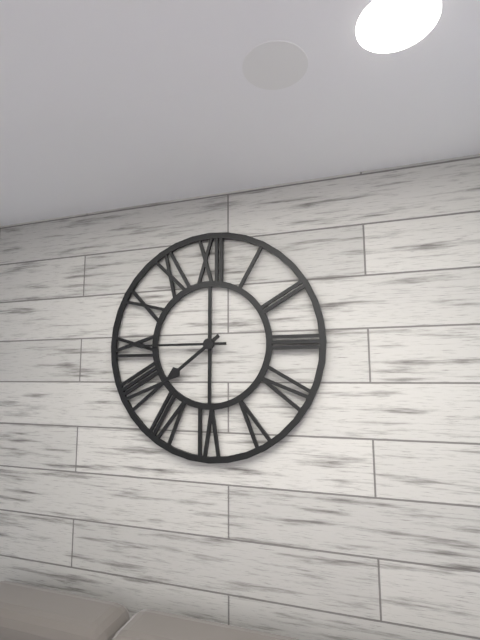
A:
7 h 45 min
